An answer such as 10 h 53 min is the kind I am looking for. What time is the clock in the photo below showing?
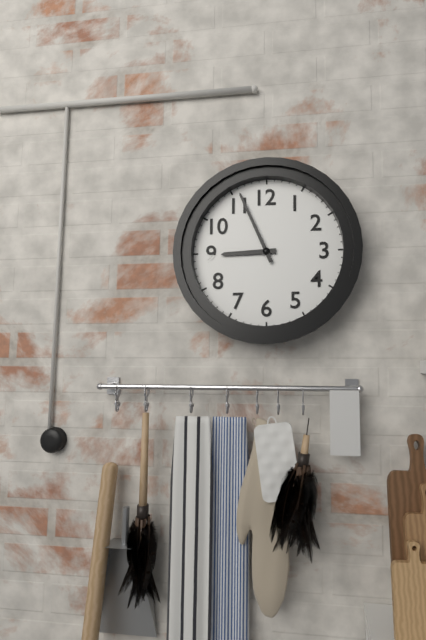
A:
8 h 56 min
